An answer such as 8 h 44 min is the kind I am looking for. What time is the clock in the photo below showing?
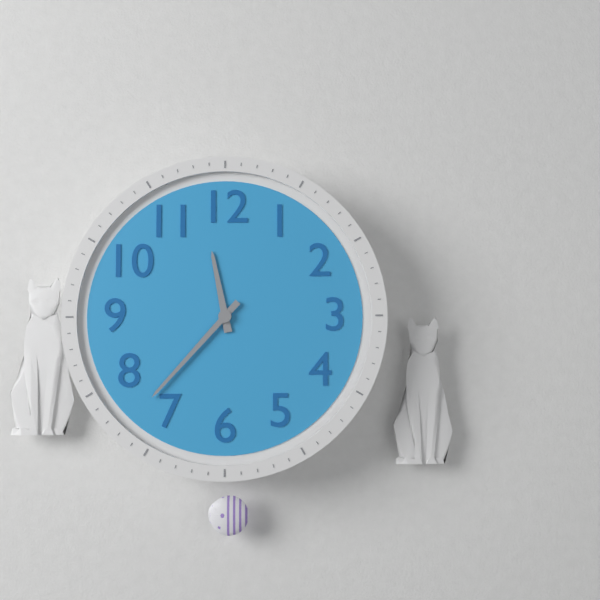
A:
11 h 37 min
